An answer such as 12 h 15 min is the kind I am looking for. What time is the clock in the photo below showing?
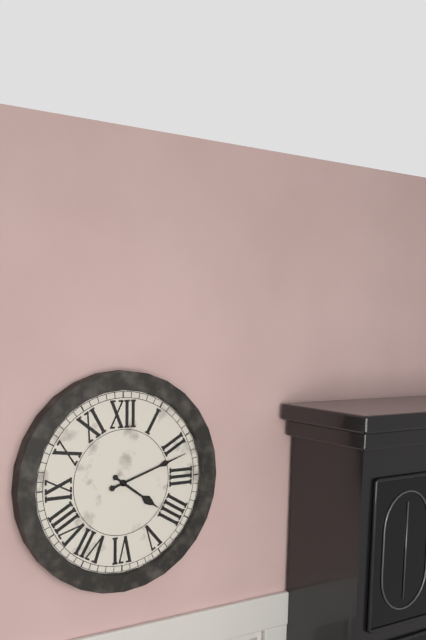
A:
4 h 12 min
